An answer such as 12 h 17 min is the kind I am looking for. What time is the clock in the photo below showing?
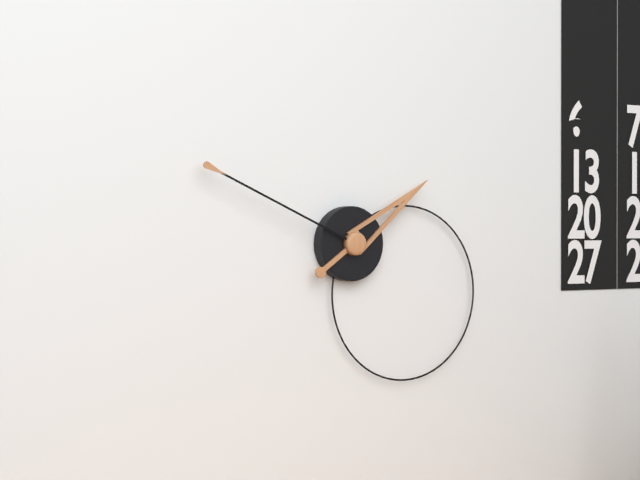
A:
1 h 49 min
